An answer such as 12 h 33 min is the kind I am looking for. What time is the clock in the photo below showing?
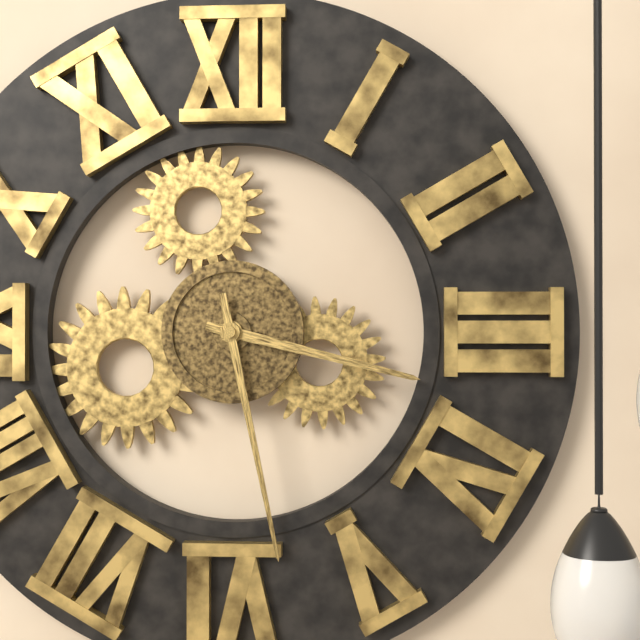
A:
3 h 28 min
